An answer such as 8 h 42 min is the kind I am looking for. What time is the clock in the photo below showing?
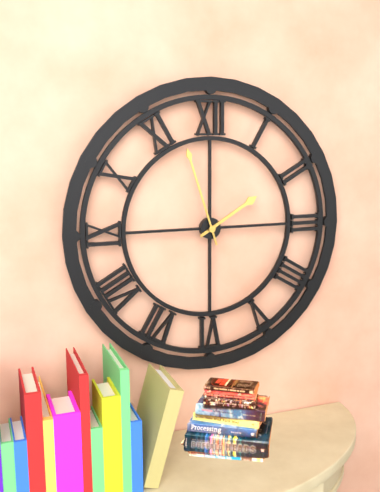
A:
1 h 57 min
